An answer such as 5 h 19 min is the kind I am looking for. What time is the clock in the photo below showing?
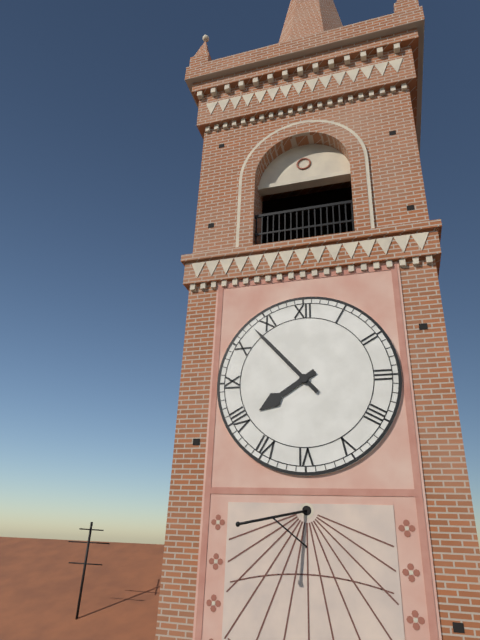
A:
7 h 53 min
